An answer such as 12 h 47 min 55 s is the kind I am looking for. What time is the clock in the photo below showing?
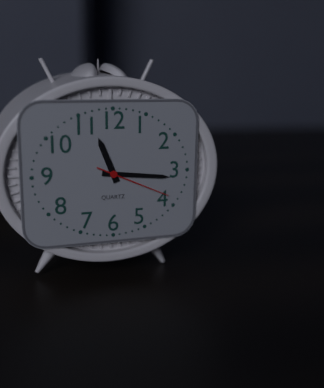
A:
11 h 16 min 19 s
